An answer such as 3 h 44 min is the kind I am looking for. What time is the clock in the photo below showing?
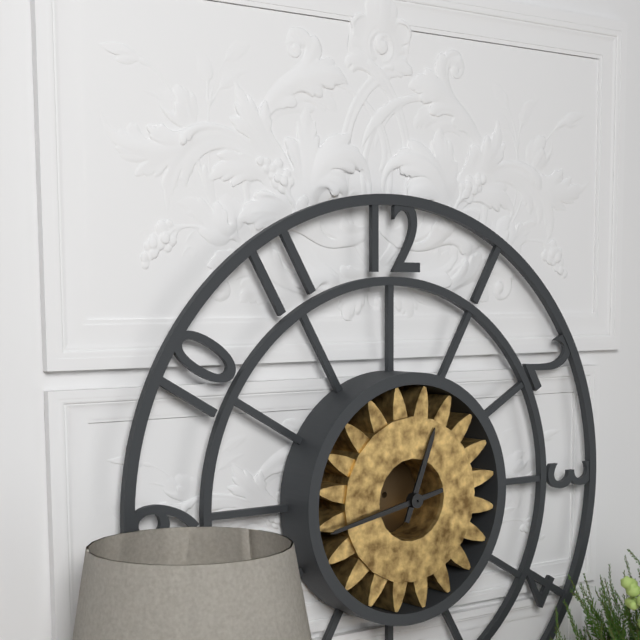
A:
12 h 43 min
